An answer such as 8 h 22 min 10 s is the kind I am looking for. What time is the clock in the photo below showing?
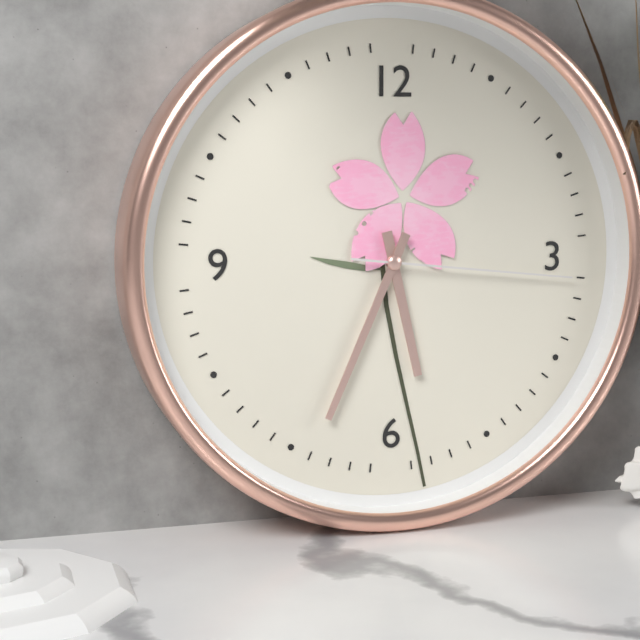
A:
5 h 34 min 16 s
